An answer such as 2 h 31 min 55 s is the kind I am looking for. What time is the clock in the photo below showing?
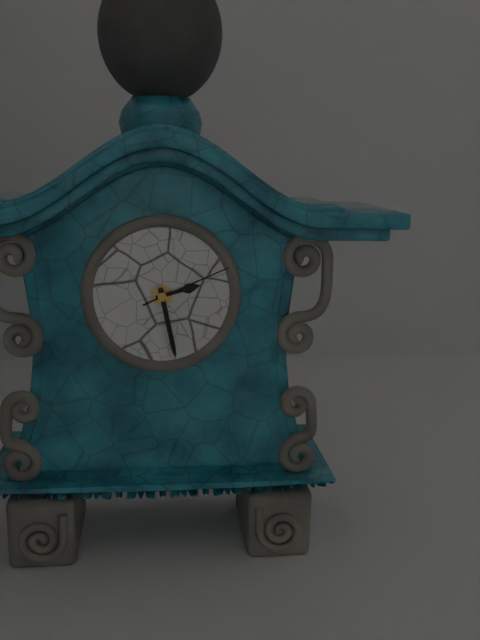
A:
2 h 28 min 11 s
